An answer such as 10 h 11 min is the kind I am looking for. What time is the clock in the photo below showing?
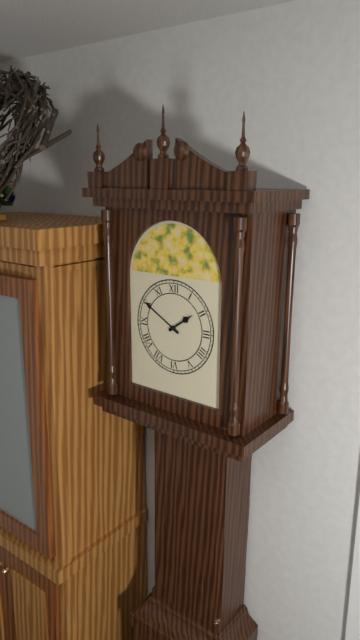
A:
1 h 50 min
